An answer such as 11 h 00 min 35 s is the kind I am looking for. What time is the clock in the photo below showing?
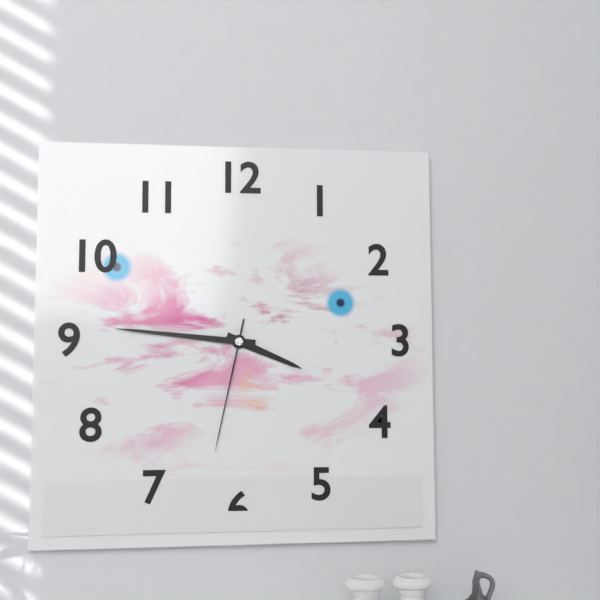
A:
3 h 46 min 32 s
